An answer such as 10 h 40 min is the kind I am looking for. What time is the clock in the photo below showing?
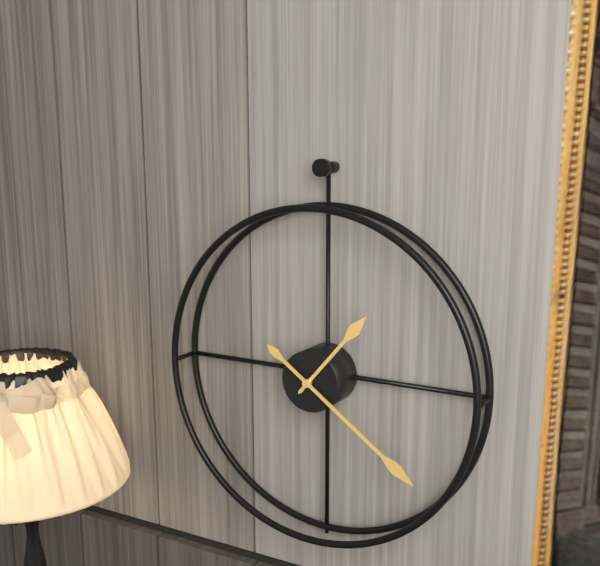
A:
1 h 21 min
